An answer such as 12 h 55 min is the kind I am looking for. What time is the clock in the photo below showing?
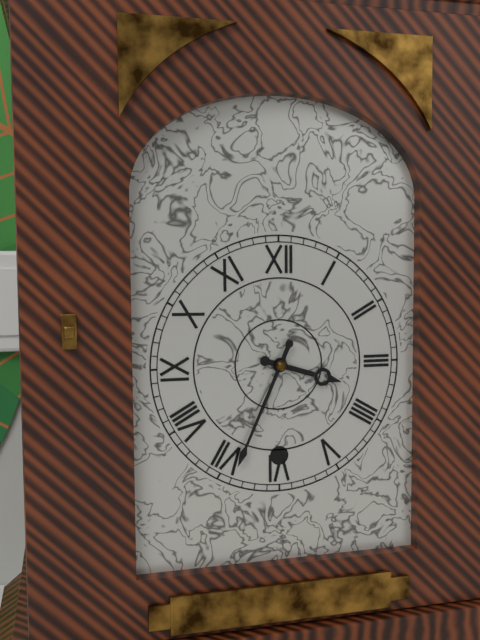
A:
3 h 34 min
